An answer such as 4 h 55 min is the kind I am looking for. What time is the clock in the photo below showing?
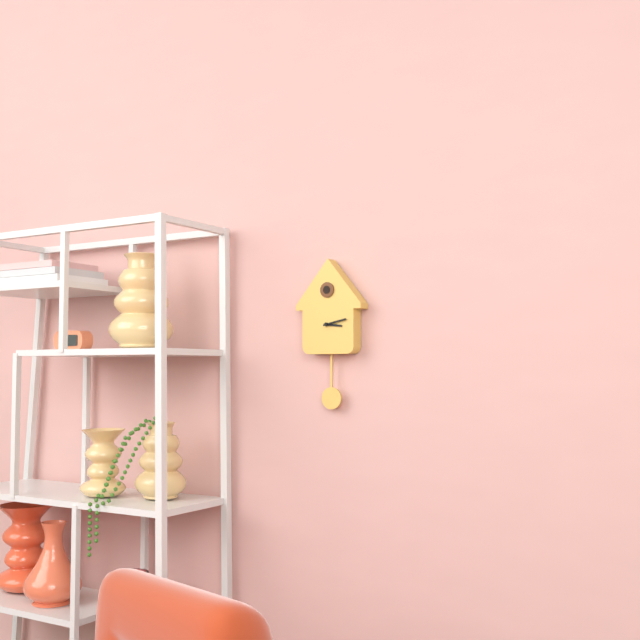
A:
3 h 13 min
